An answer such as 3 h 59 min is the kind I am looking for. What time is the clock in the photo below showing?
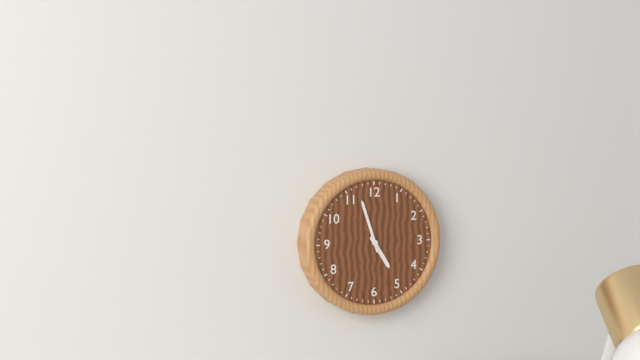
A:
4 h 57 min
